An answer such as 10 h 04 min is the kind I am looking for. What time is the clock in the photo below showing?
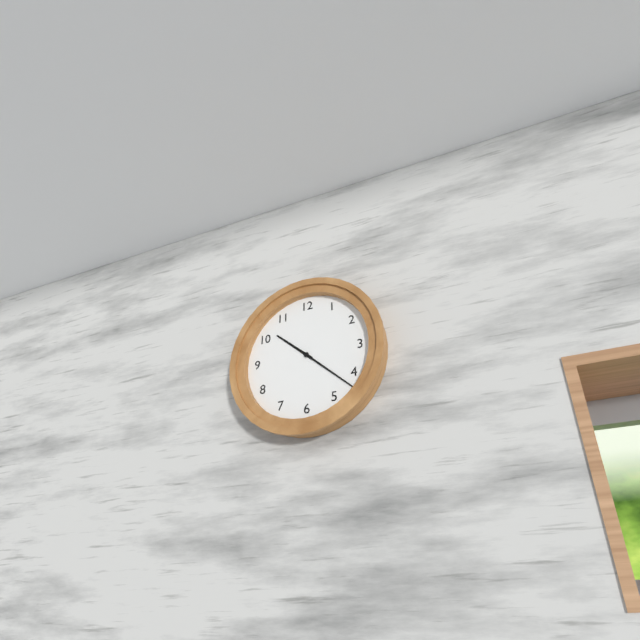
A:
10 h 22 min
